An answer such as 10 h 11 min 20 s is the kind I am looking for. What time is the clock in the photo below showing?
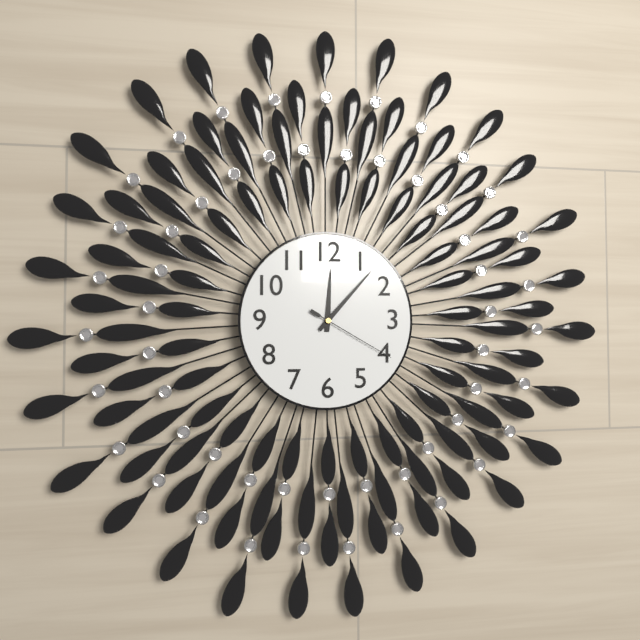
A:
12 h 07 min 20 s
